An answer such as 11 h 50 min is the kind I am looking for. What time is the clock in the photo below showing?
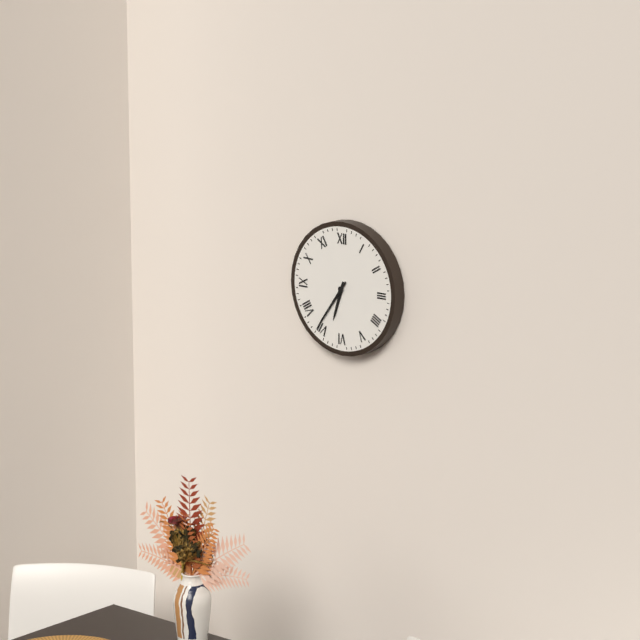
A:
6 h 36 min
